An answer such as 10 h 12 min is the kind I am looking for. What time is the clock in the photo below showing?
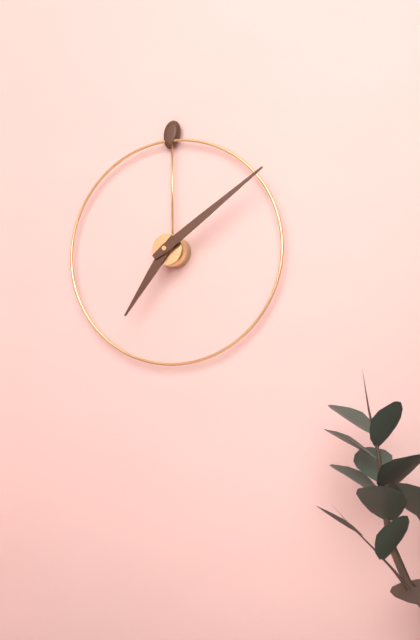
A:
7 h 09 min
